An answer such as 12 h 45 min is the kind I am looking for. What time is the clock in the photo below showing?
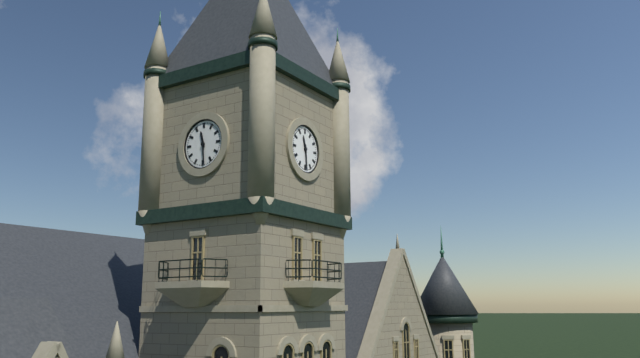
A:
11 h 29 min
